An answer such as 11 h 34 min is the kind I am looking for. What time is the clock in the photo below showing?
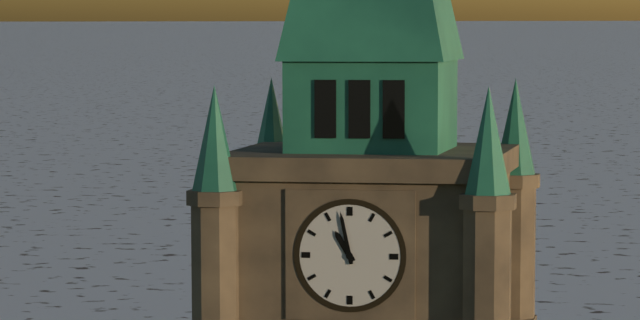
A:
10 h 58 min
